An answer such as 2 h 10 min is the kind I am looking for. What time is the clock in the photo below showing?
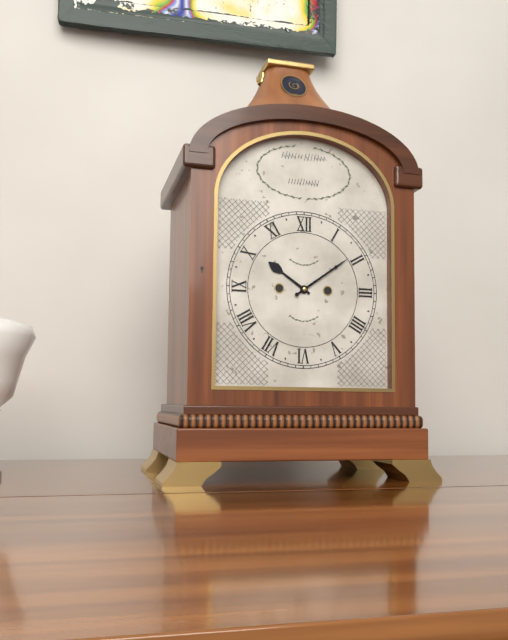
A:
10 h 09 min
